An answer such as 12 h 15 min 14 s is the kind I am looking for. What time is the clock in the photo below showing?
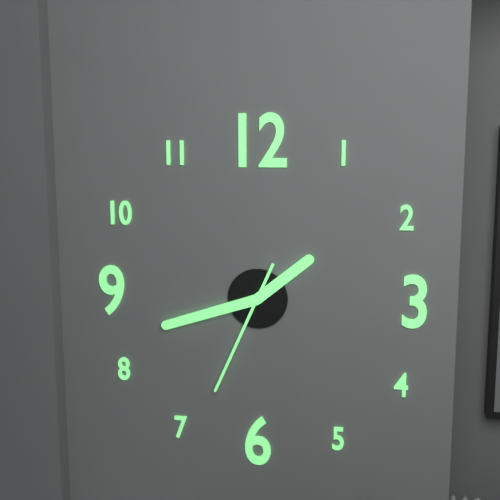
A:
1 h 42 min 34 s
